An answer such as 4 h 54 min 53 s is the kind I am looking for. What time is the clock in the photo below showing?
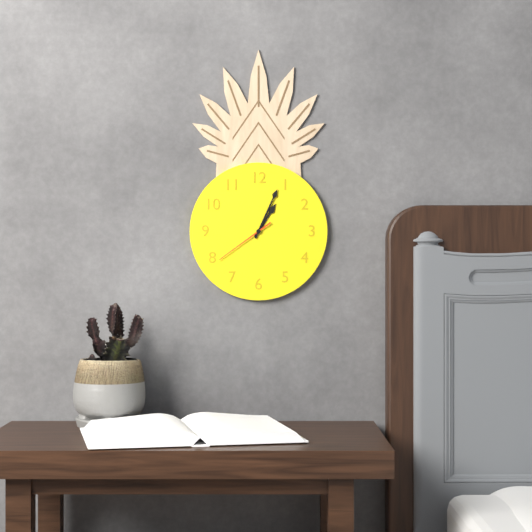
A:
1 h 04 min 39 s
